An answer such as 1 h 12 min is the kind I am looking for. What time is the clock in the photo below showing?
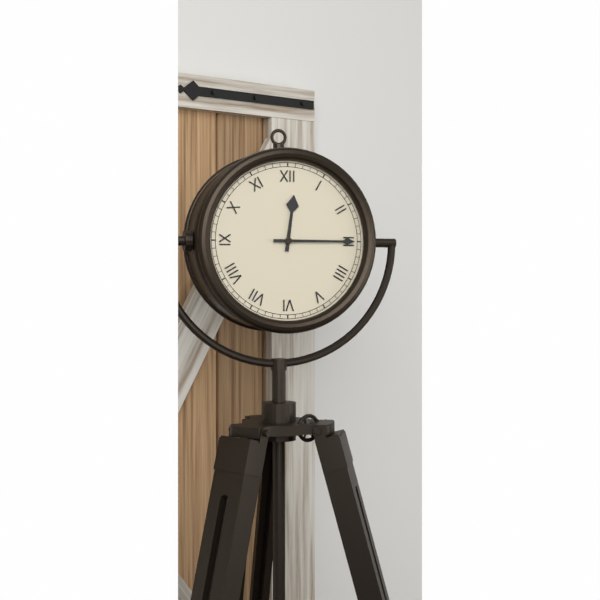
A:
12 h 15 min
